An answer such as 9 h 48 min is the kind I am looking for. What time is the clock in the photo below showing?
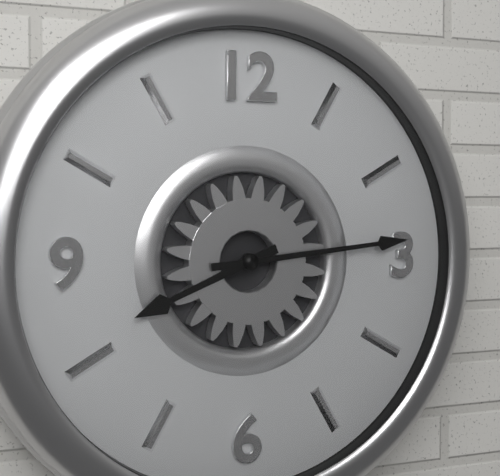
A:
8 h 14 min
